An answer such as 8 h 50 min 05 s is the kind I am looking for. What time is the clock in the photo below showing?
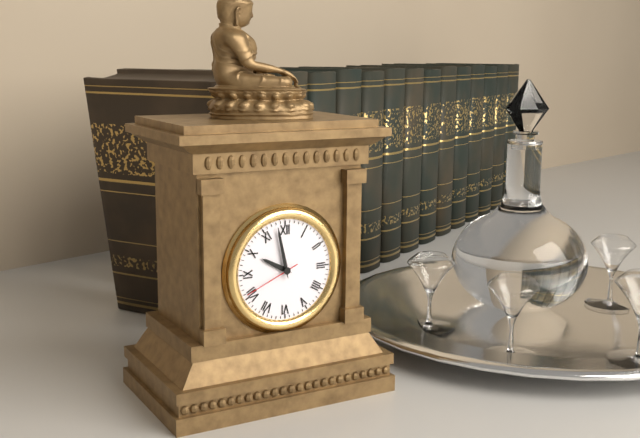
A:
9 h 58 min 41 s
